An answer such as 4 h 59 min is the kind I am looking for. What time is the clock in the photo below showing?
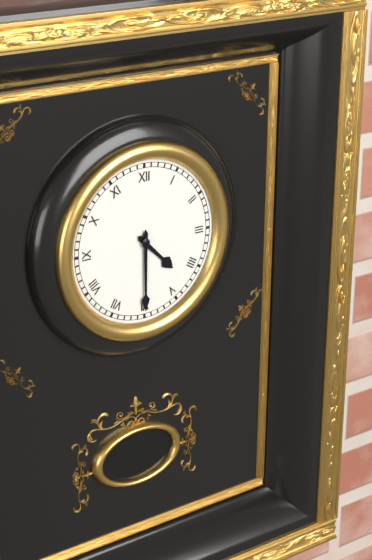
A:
4 h 30 min
